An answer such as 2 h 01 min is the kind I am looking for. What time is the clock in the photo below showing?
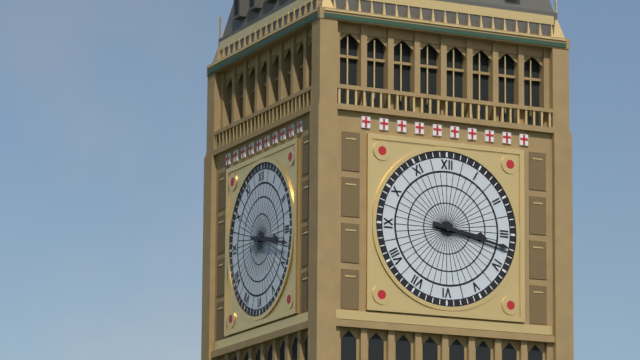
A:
3 h 17 min
